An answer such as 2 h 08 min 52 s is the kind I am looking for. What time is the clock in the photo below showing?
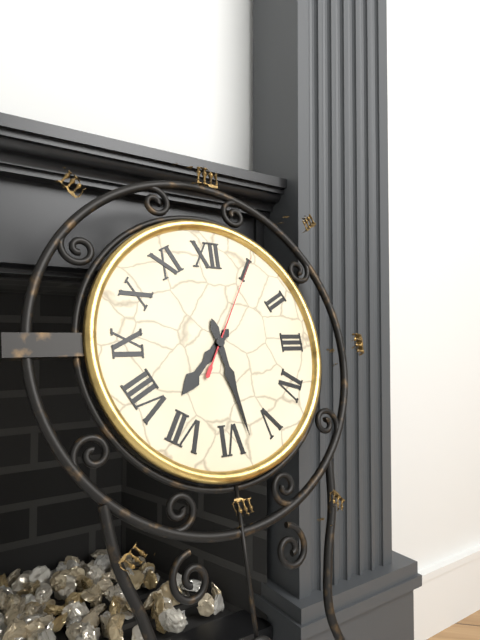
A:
7 h 28 min 05 s
